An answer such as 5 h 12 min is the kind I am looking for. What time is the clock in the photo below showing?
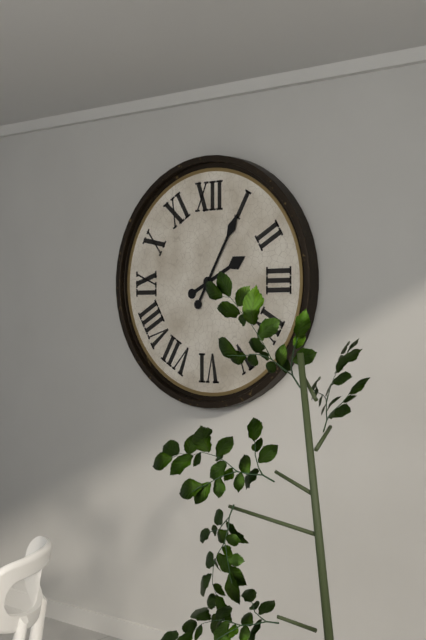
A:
2 h 05 min
